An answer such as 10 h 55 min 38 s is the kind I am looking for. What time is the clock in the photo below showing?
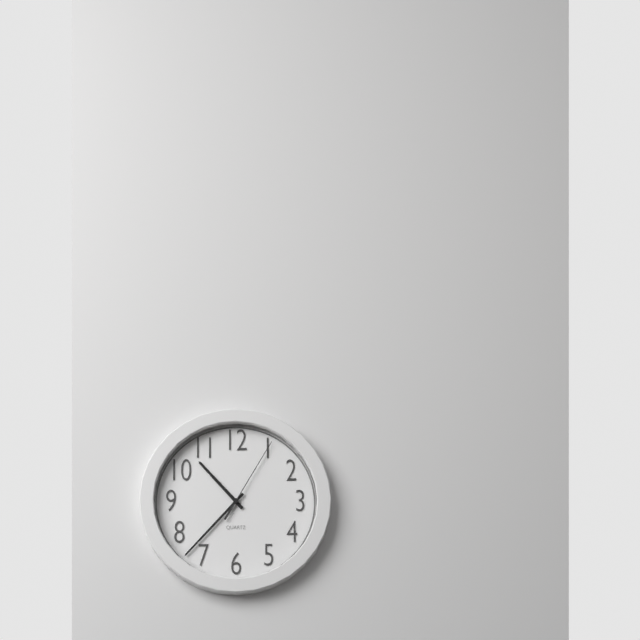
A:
10 h 37 min 05 s
